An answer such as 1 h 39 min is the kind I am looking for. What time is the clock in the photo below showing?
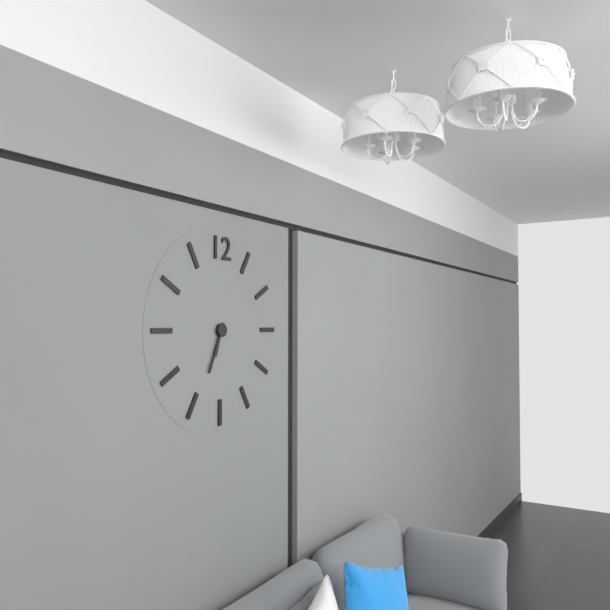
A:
6 h 34 min
